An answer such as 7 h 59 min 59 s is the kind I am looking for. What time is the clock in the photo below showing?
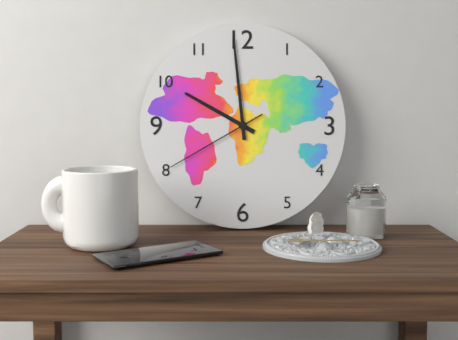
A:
9 h 59 min 40 s
